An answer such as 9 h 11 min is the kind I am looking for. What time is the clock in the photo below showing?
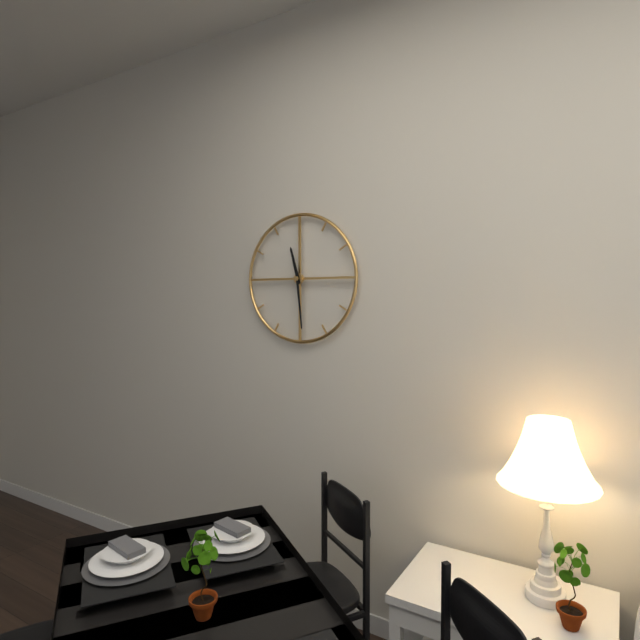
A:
11 h 29 min
